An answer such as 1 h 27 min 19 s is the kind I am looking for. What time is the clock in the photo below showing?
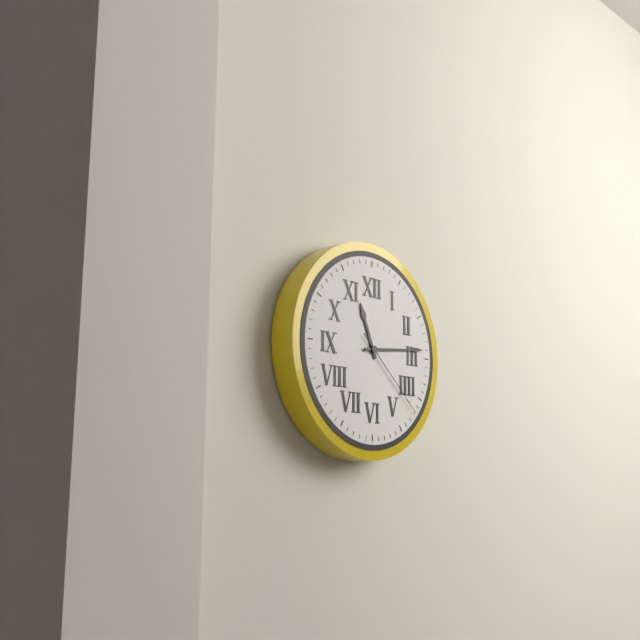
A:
11 h 14 min 22 s
